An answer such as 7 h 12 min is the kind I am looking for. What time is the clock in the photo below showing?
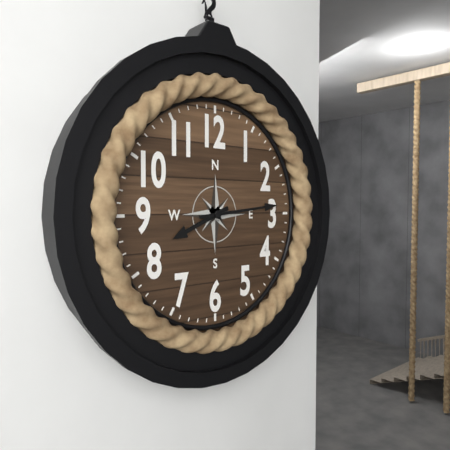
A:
8 h 14 min
